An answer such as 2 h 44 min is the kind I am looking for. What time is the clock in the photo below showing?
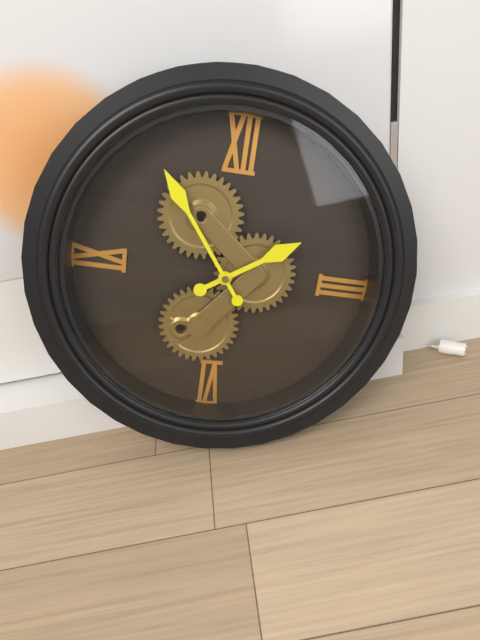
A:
1 h 54 min
